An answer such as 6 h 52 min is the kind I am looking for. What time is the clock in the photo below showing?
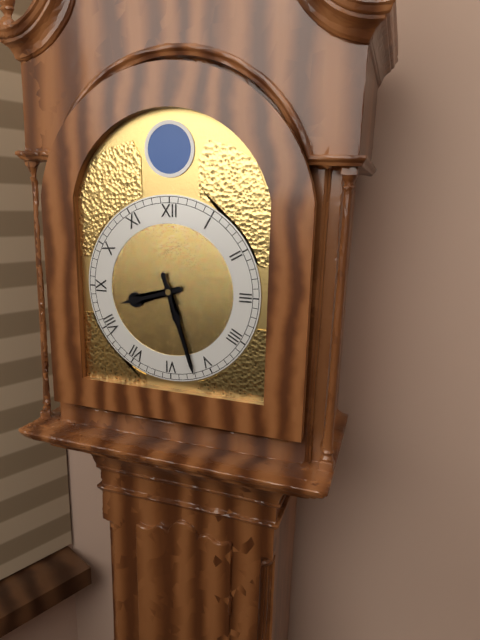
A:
8 h 27 min
